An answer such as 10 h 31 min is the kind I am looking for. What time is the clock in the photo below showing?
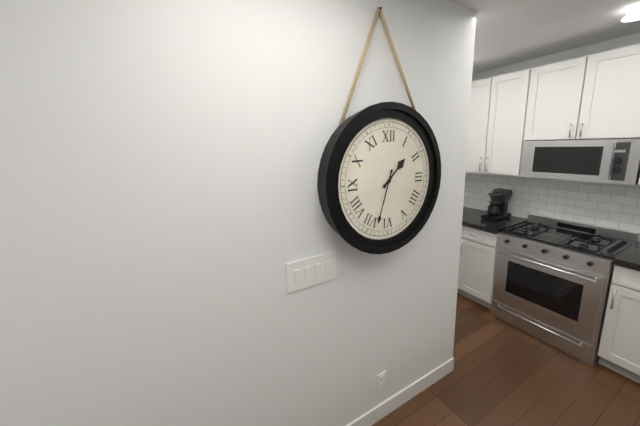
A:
1 h 33 min
